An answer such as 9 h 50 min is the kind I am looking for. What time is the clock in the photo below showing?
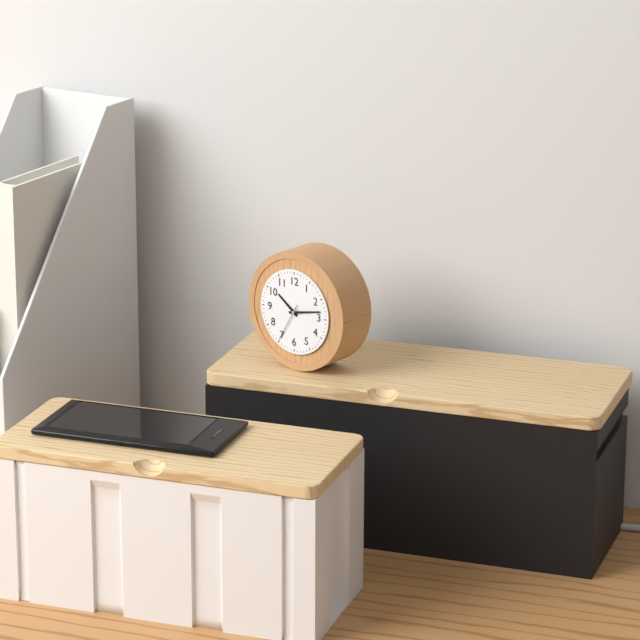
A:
10 h 13 min
